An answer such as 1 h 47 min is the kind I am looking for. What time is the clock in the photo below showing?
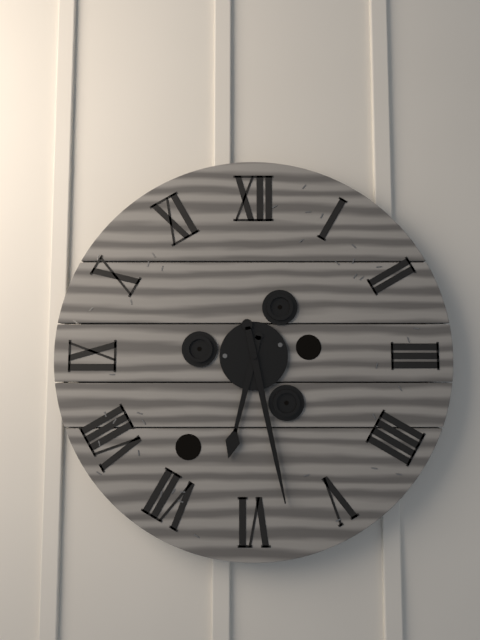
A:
6 h 28 min
